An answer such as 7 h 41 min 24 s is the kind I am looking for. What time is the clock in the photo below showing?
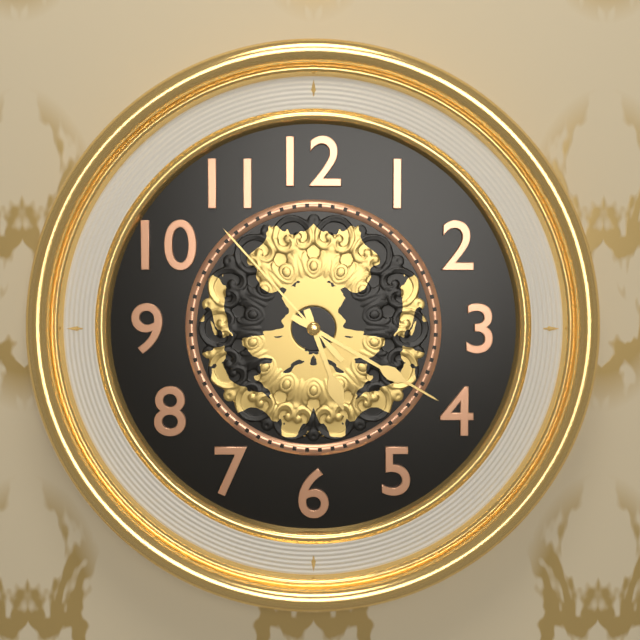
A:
5 h 20 min 53 s
